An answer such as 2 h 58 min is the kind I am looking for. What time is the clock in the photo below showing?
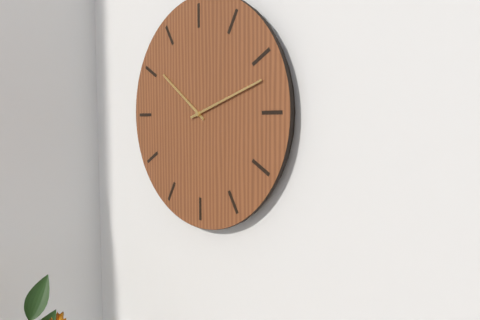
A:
10 h 12 min
